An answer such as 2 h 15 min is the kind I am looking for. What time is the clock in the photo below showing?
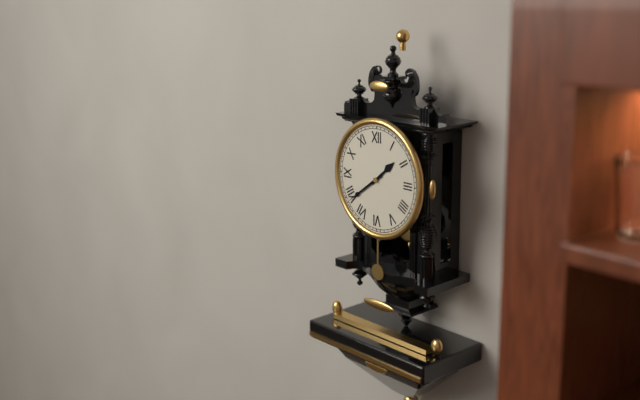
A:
1 h 39 min
